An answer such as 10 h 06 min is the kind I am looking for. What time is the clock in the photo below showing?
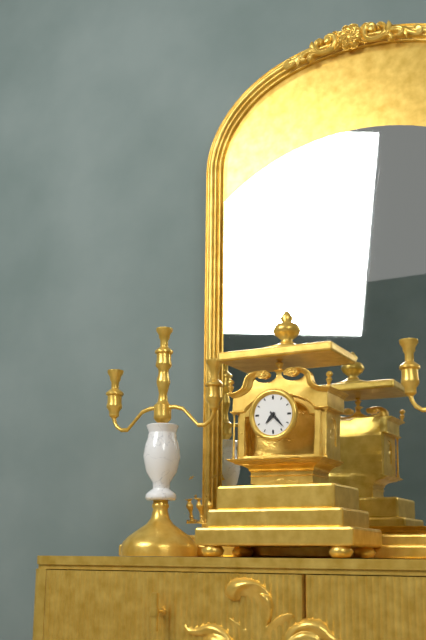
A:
7 h 23 min
